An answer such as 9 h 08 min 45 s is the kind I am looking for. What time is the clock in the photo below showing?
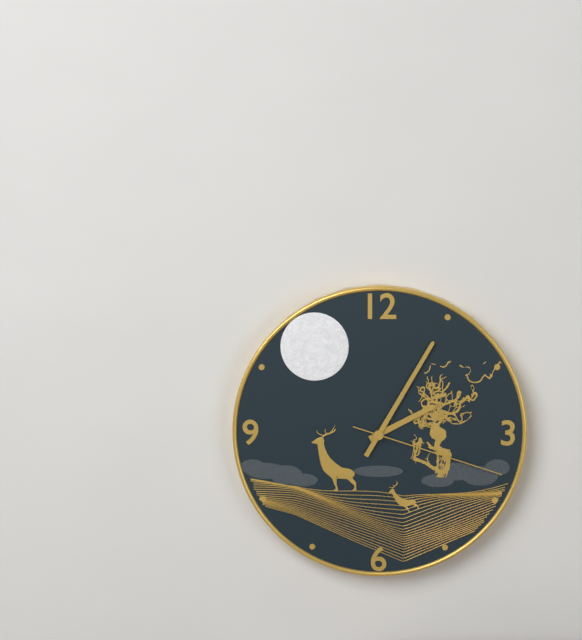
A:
2 h 05 min 18 s
